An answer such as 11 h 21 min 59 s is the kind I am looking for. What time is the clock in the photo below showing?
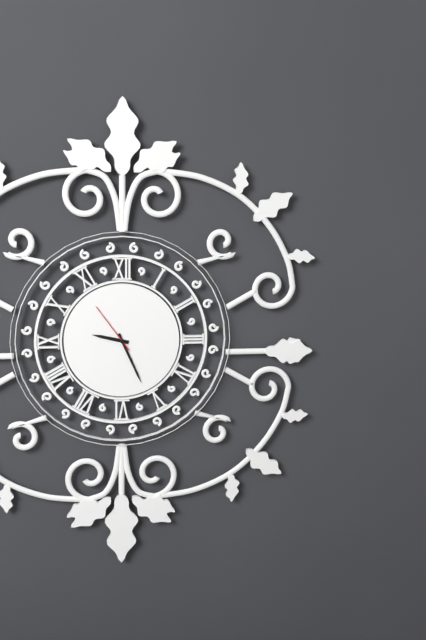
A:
9 h 26 min 54 s
